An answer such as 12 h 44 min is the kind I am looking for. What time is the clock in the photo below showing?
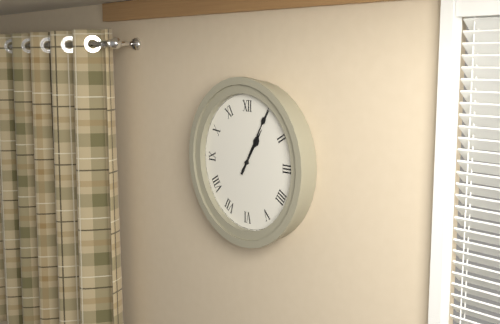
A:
1 h 05 min
